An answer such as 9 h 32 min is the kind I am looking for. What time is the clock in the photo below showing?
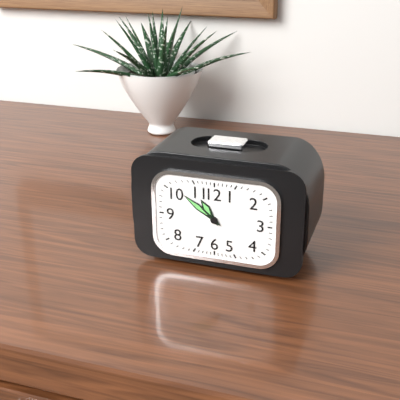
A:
10 h 51 min
